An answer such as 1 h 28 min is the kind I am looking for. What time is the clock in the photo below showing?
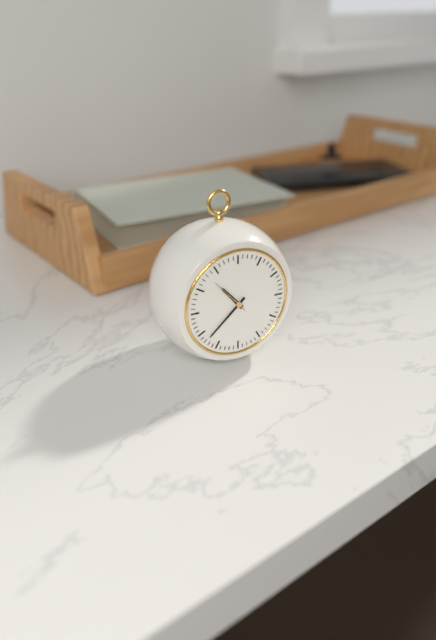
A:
10 h 38 min
